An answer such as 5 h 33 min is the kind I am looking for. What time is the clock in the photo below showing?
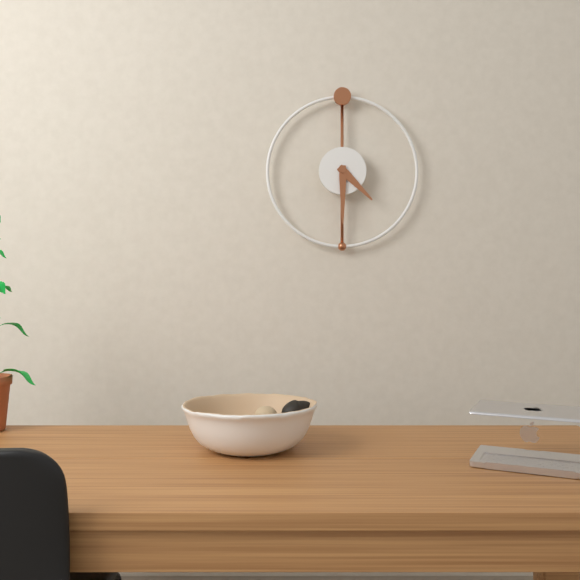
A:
4 h 30 min
